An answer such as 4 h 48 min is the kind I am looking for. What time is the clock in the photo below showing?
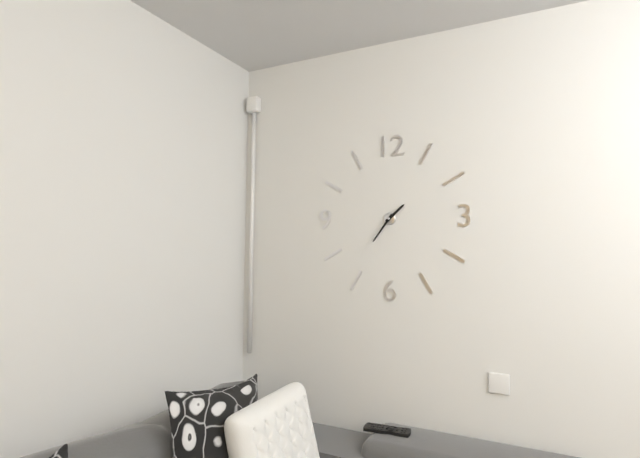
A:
1 h 36 min
